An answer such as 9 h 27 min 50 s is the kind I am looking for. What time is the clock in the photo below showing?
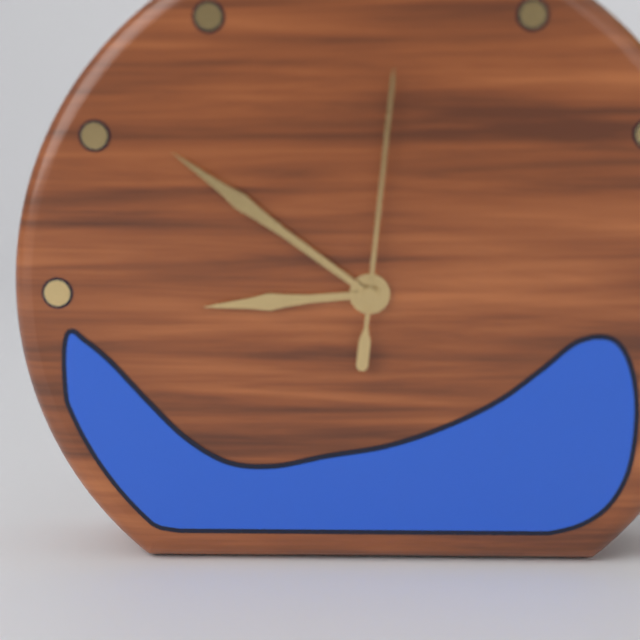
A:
8 h 51 min 01 s
